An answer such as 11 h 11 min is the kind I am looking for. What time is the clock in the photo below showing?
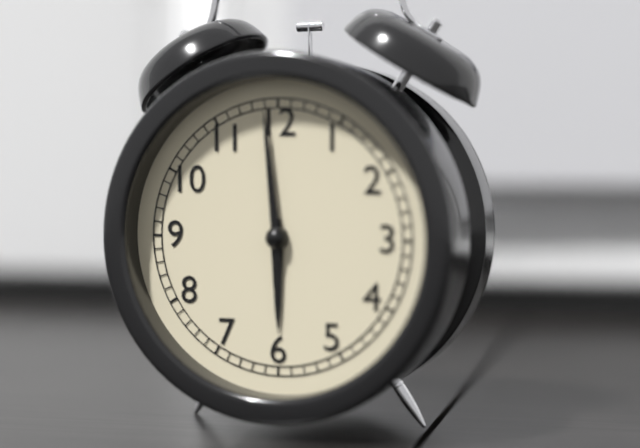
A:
5 h 59 min
